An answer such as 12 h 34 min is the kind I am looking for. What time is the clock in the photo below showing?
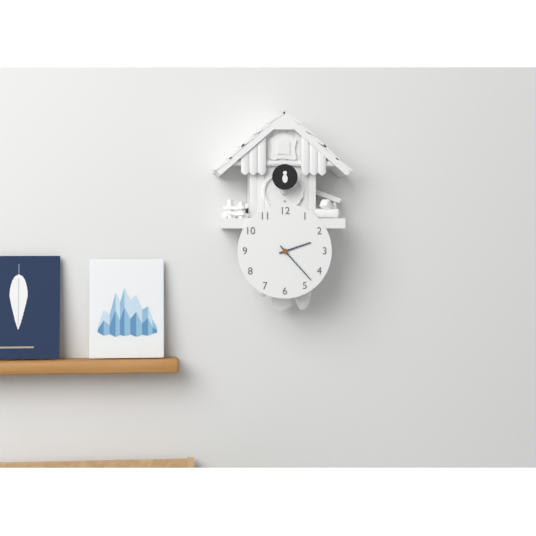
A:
2 h 23 min
